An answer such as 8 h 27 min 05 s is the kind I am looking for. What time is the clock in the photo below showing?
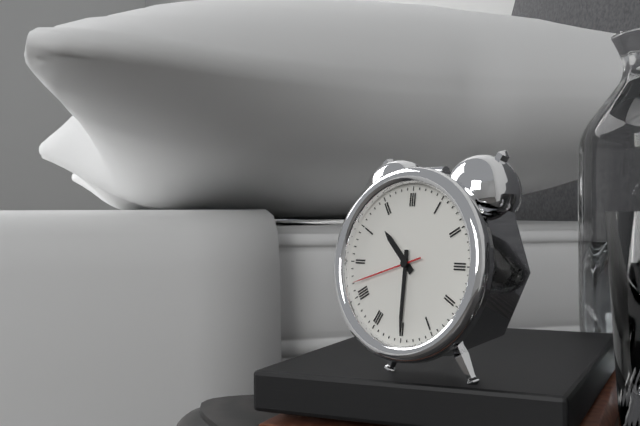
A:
10 h 30 min 42 s
